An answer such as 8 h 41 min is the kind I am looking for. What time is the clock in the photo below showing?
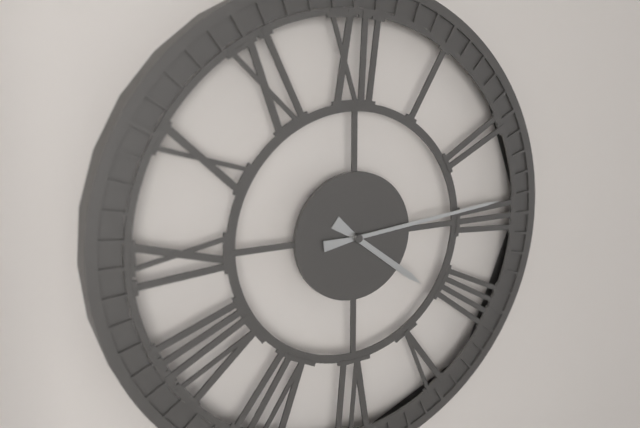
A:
4 h 14 min
